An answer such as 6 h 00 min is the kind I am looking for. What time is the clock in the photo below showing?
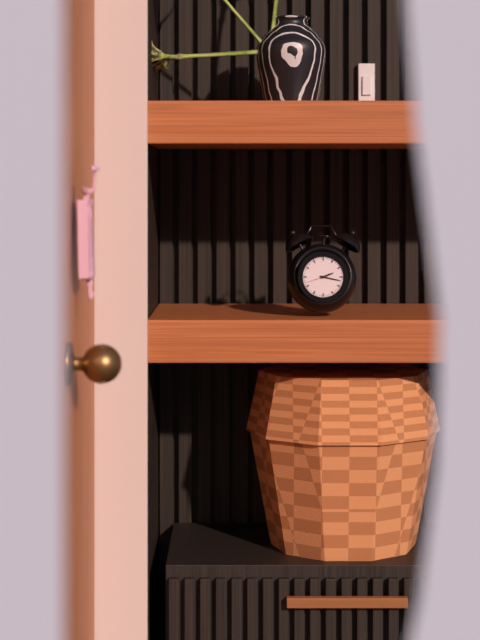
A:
2 h 17 min
